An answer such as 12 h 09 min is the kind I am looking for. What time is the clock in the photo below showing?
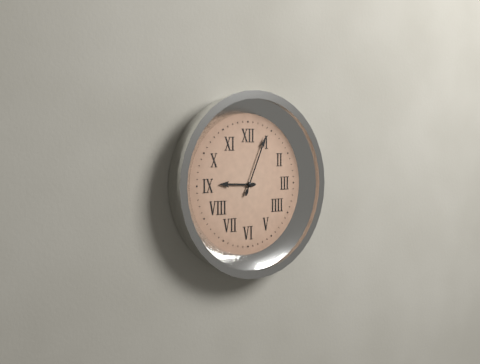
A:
9 h 04 min
